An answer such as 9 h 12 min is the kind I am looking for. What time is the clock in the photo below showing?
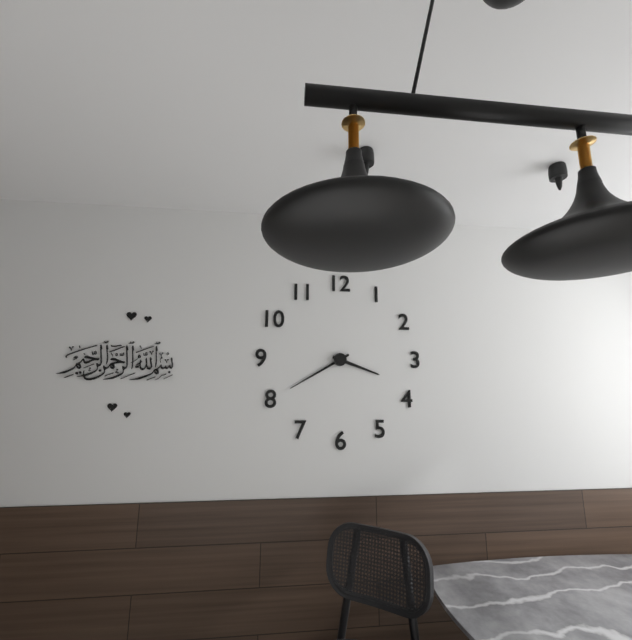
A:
3 h 40 min
